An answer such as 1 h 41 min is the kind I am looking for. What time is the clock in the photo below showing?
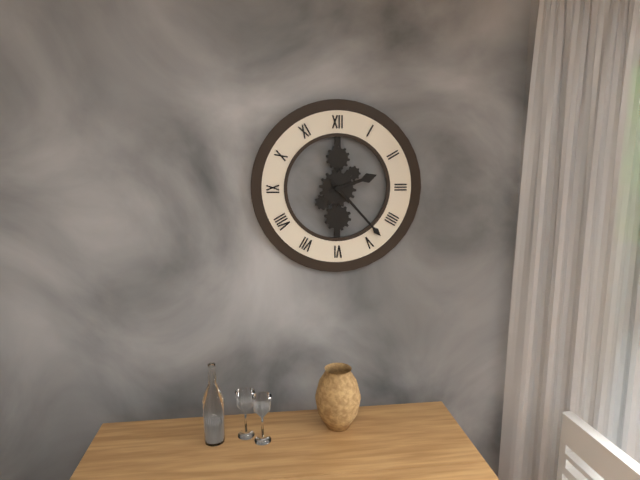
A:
2 h 23 min
